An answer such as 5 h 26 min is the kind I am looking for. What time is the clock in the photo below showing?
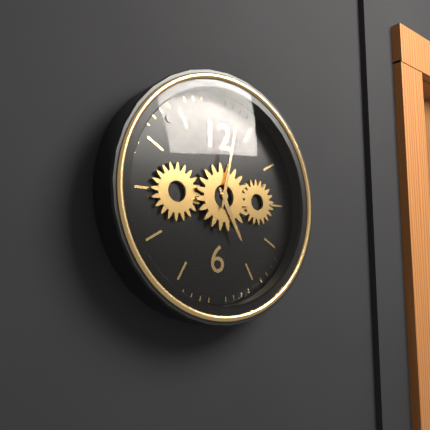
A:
5 h 02 min
